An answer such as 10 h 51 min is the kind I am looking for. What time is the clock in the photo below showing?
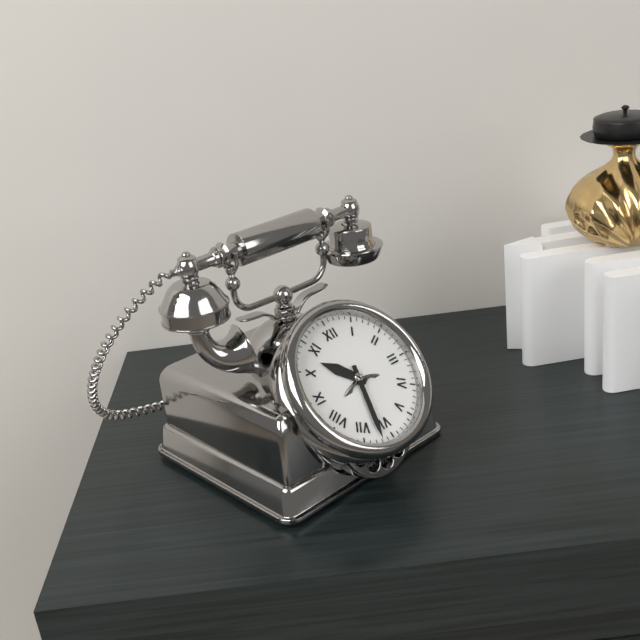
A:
10 h 32 min
